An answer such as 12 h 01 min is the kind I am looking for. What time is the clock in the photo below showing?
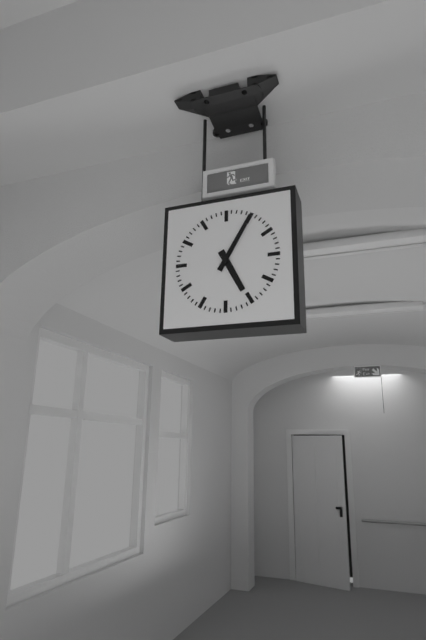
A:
5 h 05 min
